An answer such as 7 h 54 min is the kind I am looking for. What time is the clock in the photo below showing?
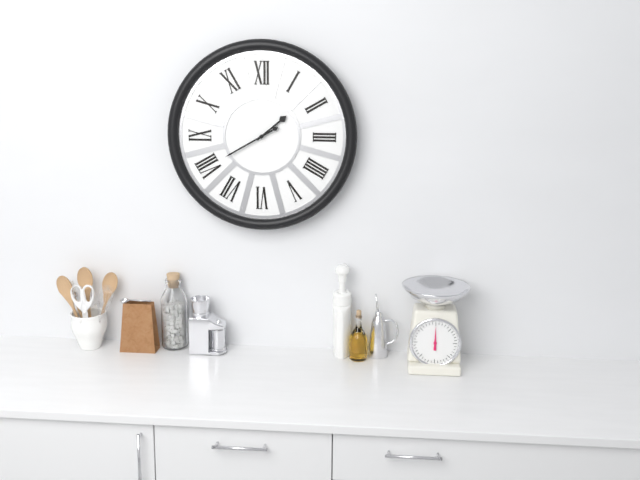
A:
1 h 40 min
